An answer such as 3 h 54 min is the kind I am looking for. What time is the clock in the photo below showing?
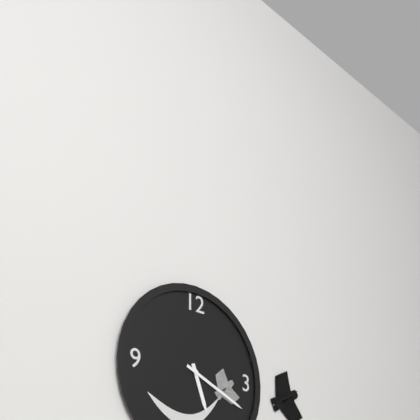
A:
5 h 19 min
